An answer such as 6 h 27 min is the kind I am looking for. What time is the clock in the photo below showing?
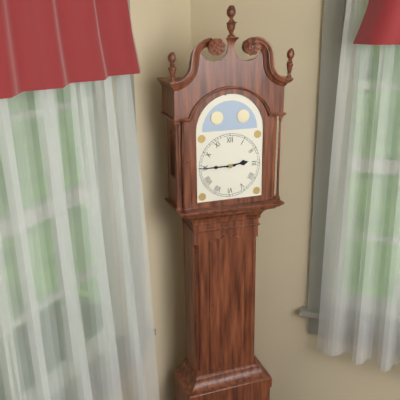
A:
2 h 45 min
